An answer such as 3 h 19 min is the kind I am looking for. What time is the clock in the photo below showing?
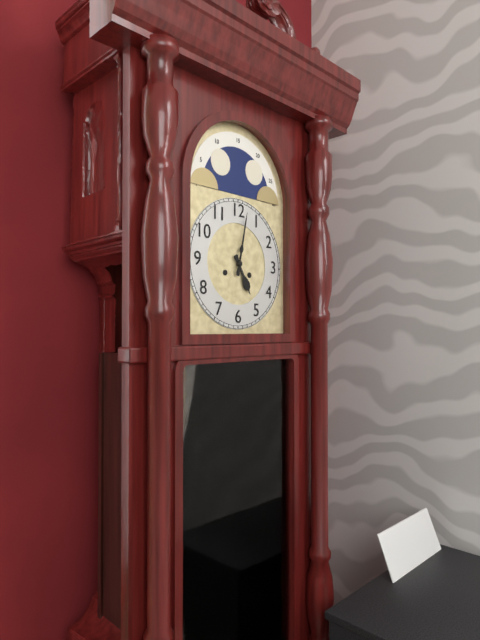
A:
5 h 02 min
